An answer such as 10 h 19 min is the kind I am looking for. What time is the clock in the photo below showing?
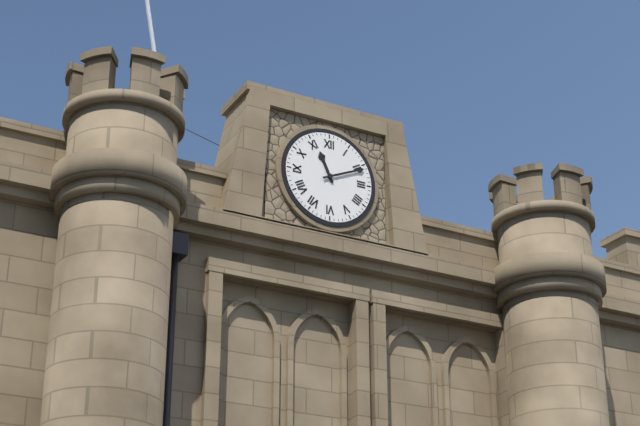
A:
11 h 11 min
